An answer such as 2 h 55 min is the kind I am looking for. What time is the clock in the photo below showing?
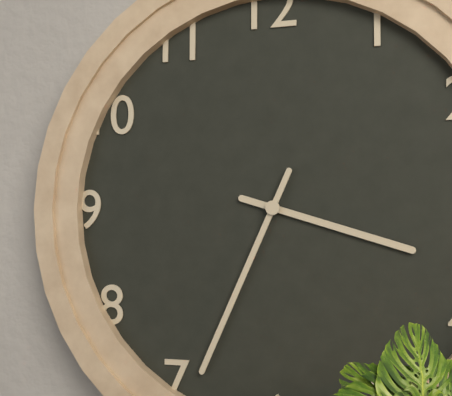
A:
3 h 34 min
